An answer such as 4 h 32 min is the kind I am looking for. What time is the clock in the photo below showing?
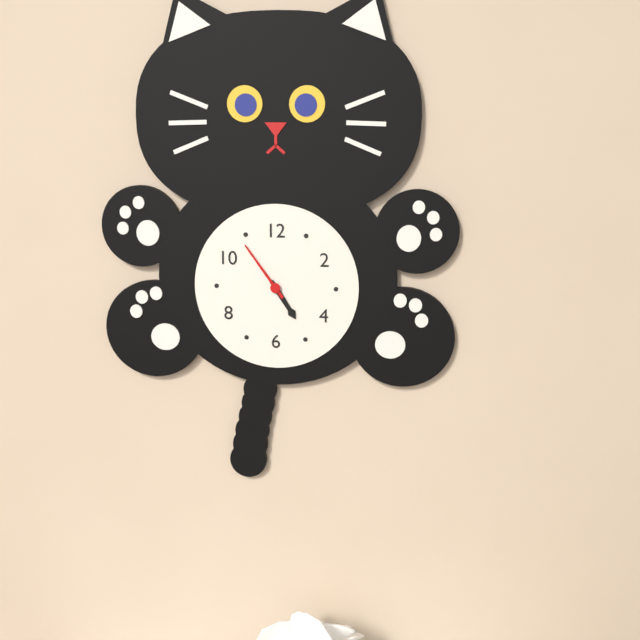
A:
4 h 54 min
